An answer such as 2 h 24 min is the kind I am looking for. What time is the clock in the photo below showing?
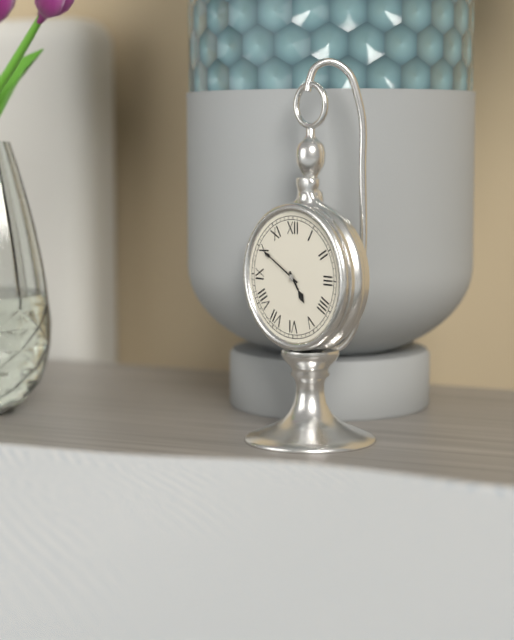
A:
4 h 50 min
